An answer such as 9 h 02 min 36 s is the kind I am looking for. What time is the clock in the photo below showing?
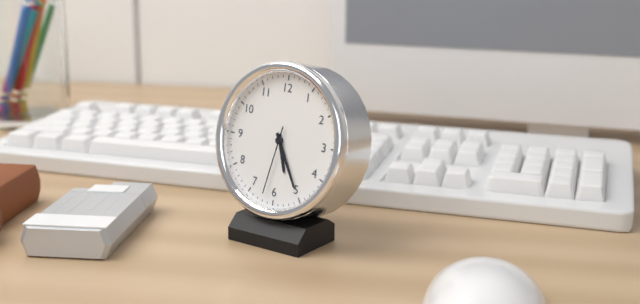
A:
5 h 25 min 32 s
